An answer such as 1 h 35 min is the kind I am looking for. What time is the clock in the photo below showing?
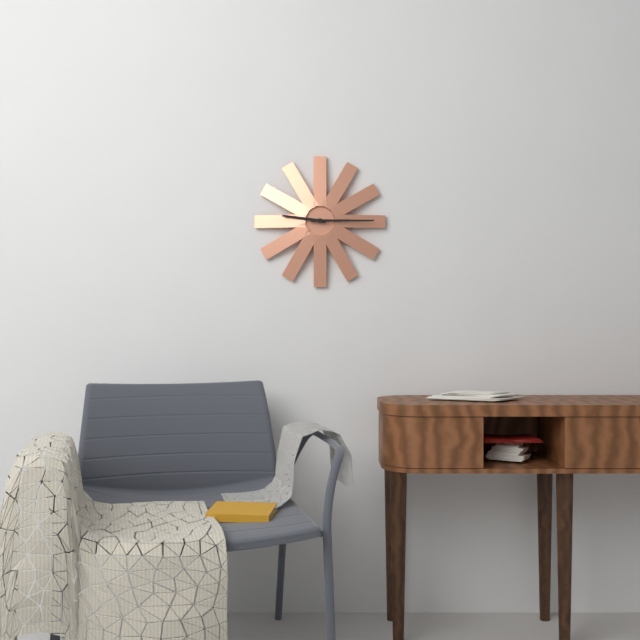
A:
9 h 15 min
